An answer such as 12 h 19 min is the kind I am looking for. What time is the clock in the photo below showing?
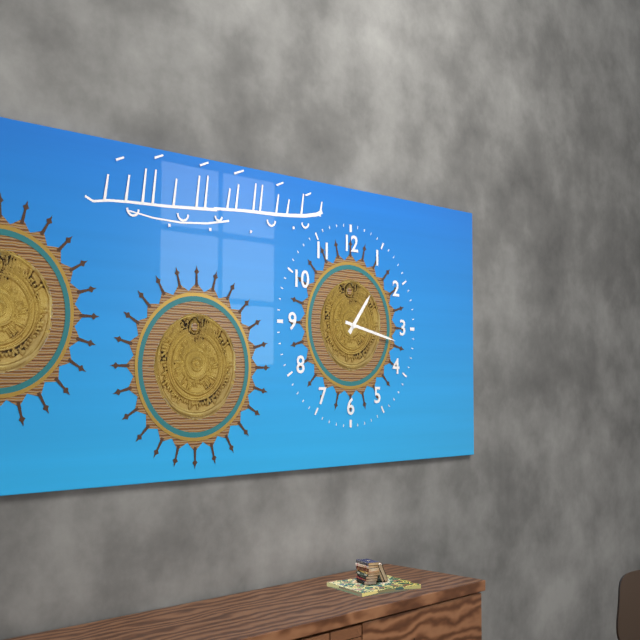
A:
1 h 17 min
